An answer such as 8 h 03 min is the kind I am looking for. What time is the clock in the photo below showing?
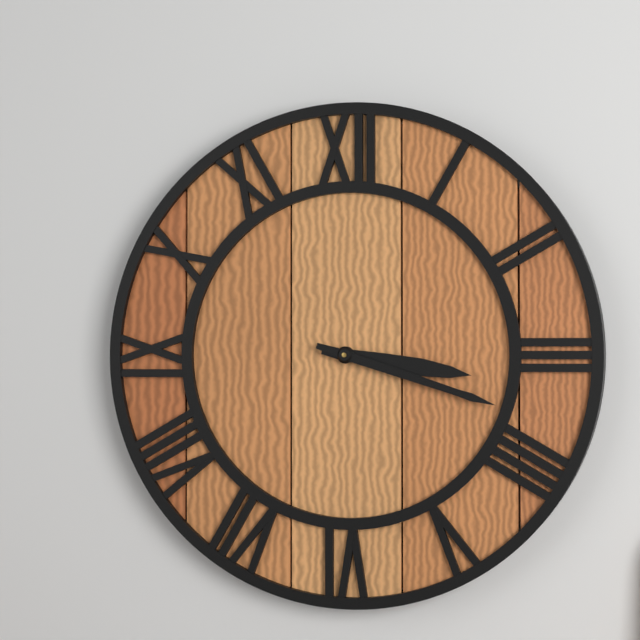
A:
3 h 18 min
